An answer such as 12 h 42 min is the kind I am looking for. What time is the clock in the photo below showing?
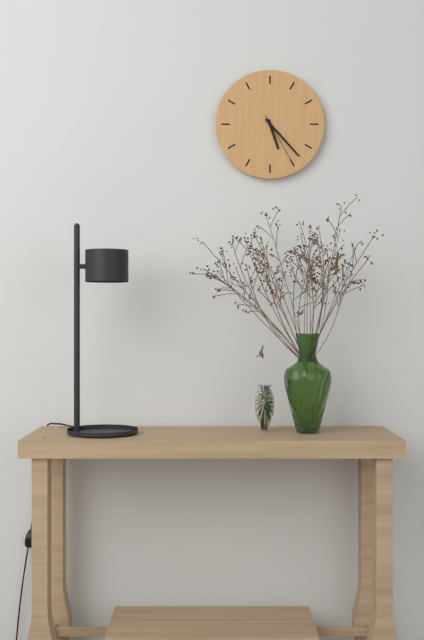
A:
5 h 23 min
